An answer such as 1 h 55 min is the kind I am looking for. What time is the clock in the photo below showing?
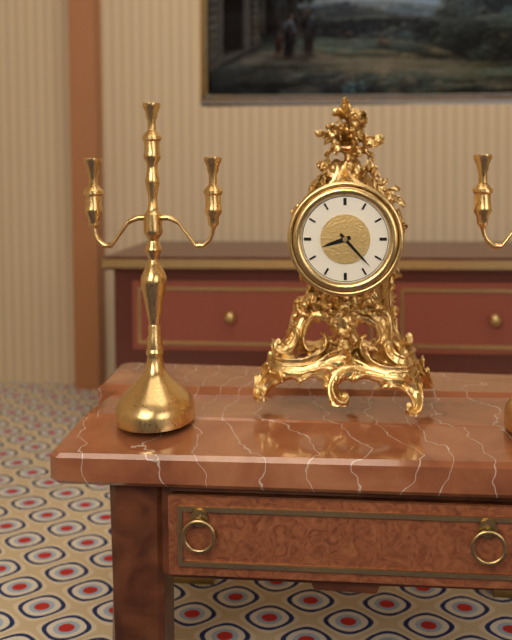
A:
8 h 23 min
